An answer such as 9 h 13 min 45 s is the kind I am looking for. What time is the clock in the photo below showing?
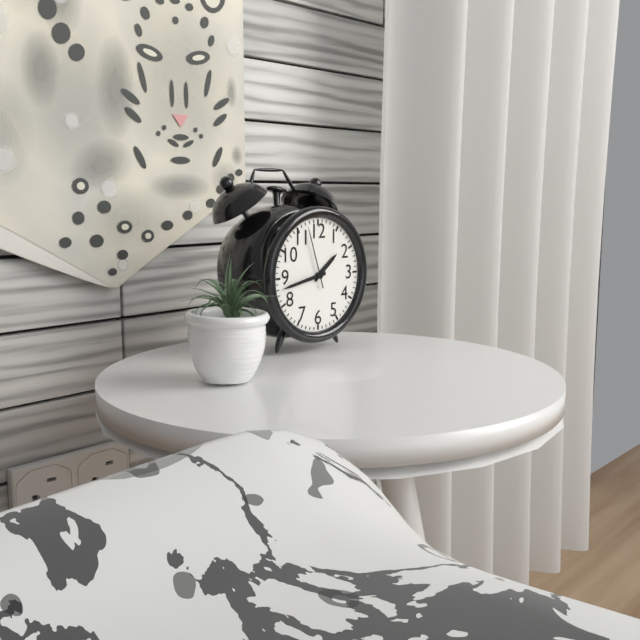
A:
1 h 43 min 57 s
